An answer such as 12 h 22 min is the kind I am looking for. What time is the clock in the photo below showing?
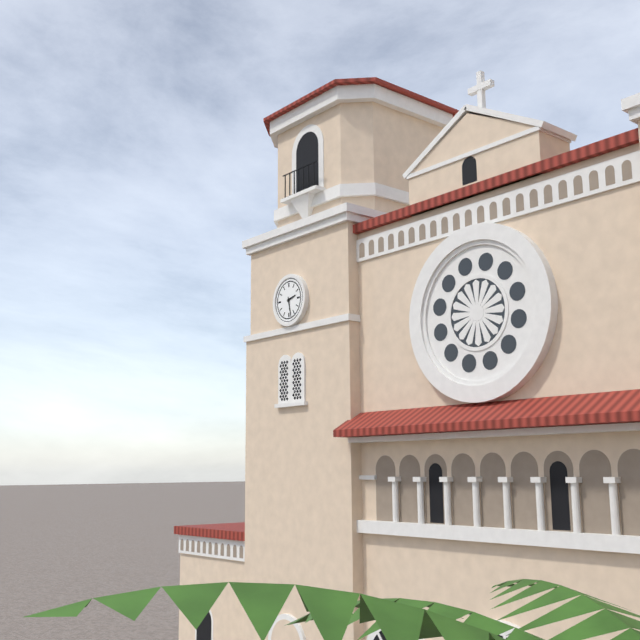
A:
2 h 28 min
